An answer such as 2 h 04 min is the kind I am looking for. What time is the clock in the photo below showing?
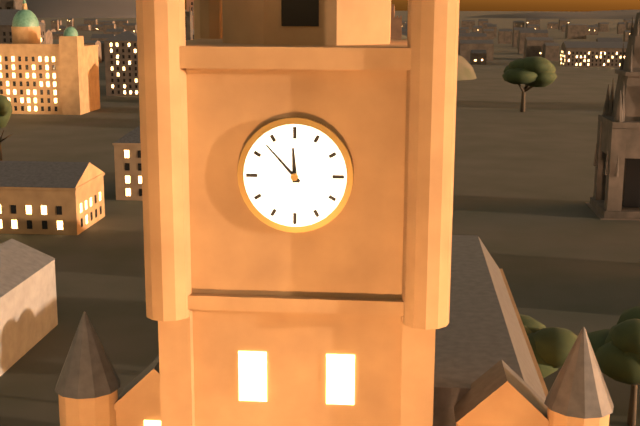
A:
11 h 53 min
